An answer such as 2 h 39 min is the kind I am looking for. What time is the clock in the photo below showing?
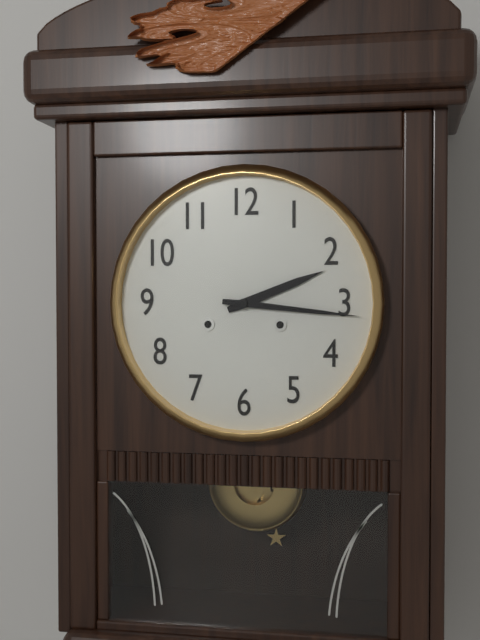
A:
2 h 16 min
